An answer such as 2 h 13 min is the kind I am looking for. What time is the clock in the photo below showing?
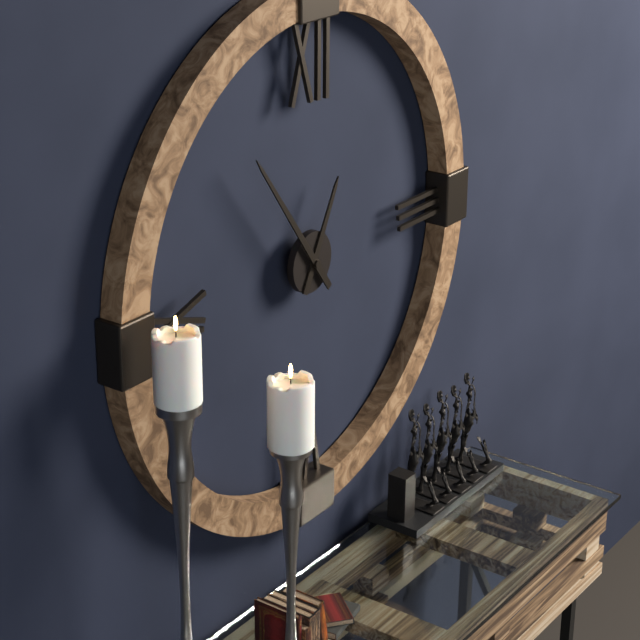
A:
12 h 54 min
